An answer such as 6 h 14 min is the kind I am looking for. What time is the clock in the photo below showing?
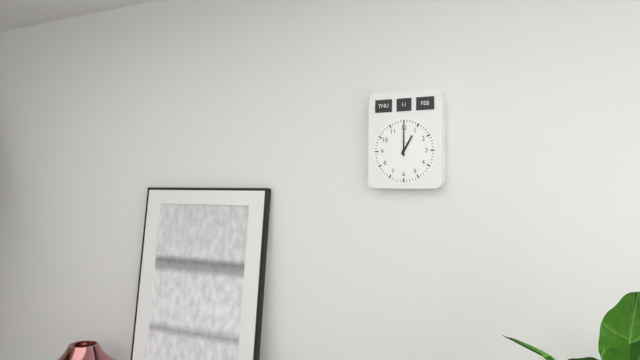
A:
1 h 00 min
